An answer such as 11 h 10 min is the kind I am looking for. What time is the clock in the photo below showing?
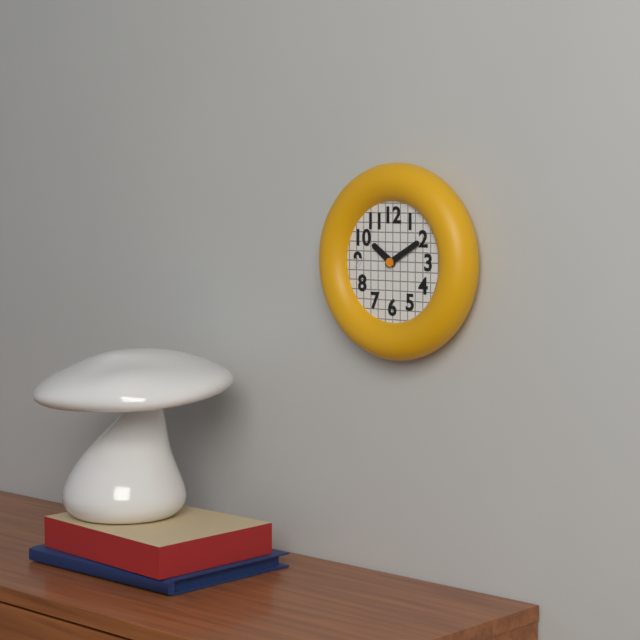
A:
10 h 10 min
